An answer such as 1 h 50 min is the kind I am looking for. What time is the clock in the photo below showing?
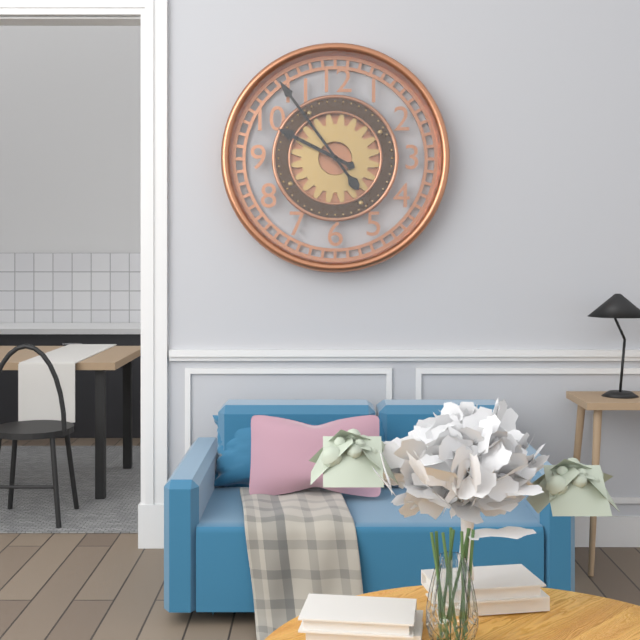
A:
9 h 54 min
